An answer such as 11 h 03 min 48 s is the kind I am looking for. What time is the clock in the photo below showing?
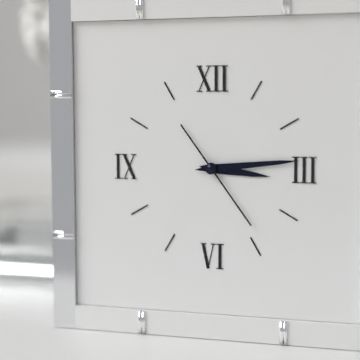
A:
3 h 14 min 24 s
